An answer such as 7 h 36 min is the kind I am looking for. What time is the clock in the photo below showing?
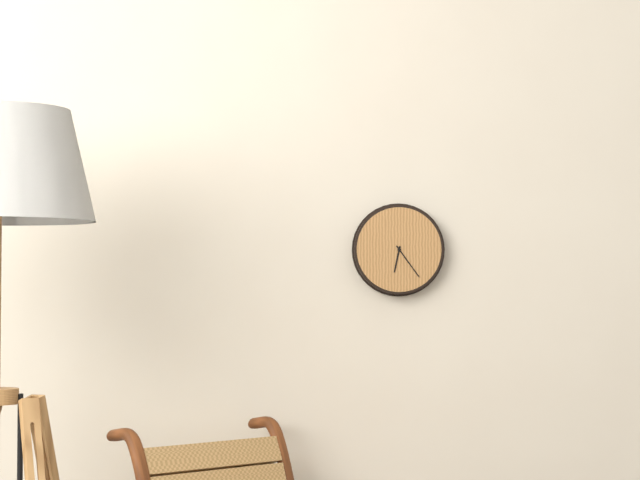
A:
6 h 24 min
